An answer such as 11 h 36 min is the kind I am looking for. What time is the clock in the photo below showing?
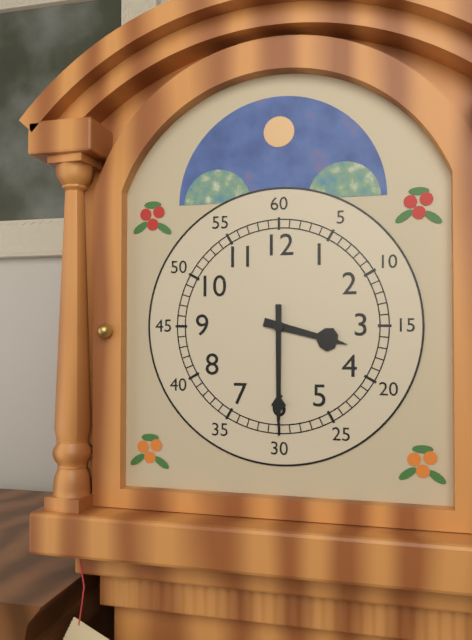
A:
3 h 30 min
